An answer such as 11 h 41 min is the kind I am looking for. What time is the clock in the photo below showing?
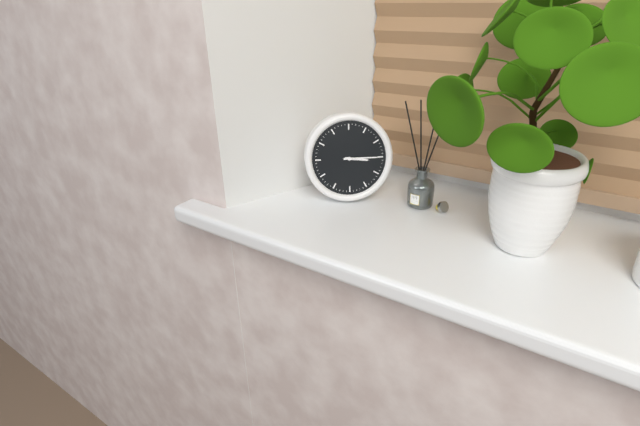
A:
3 h 15 min
